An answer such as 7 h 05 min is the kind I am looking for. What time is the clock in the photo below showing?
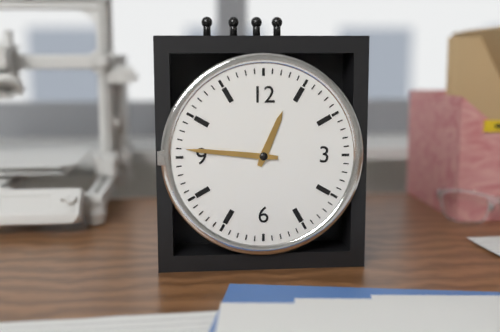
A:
12 h 46 min
